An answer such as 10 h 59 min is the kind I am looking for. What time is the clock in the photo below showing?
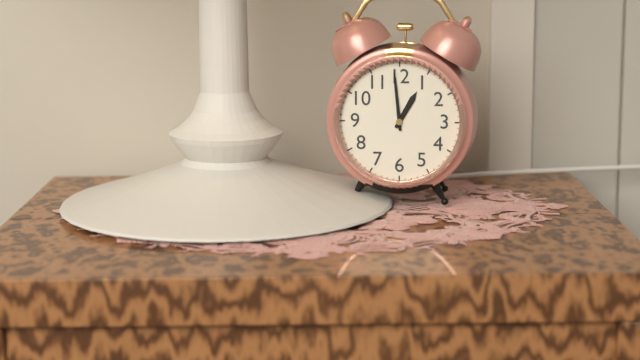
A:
12 h 59 min
